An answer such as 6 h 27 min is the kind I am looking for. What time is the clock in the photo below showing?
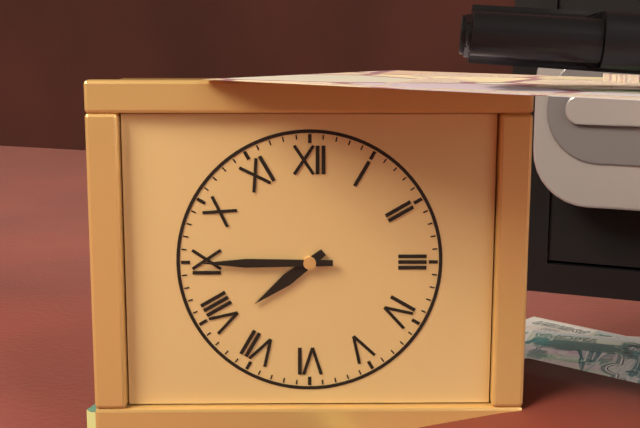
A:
7 h 45 min
